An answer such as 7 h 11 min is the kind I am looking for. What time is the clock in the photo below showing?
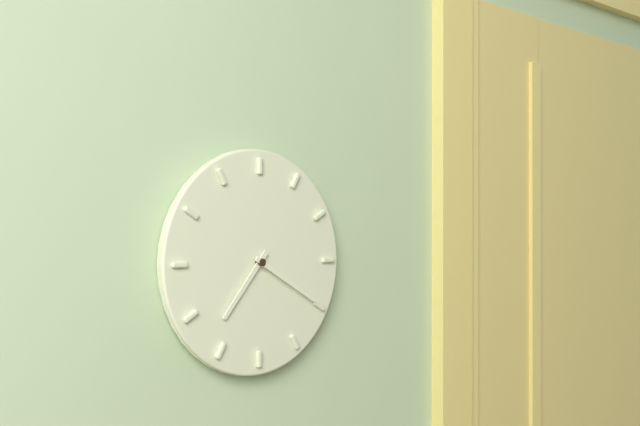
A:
7 h 20 min
